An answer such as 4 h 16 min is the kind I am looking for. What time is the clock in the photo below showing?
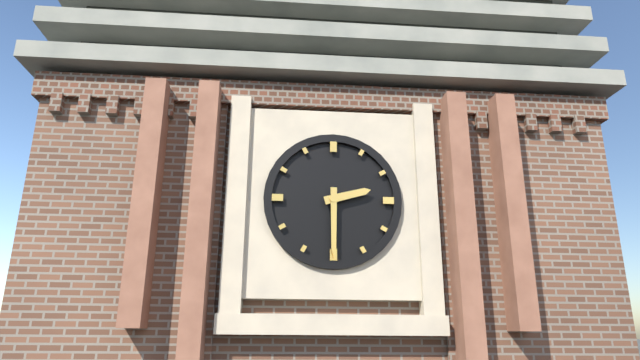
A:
2 h 30 min
